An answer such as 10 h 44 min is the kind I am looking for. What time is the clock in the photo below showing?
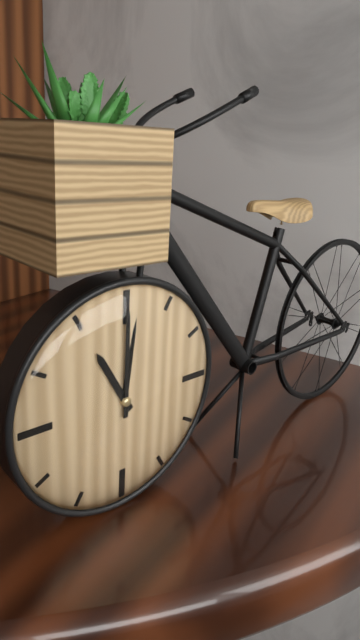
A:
11 h 00 min
